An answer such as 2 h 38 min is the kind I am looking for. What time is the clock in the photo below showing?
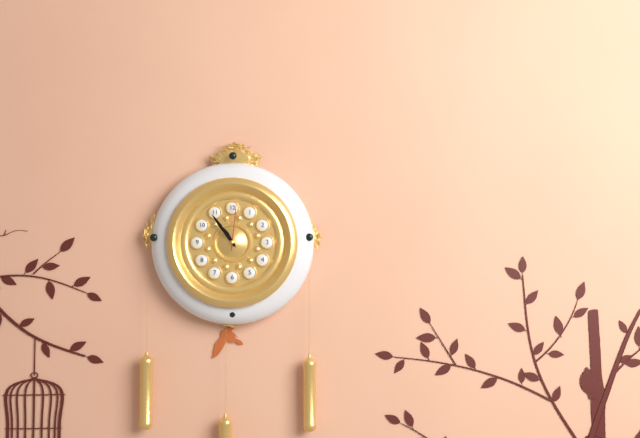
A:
10 h 54 min
